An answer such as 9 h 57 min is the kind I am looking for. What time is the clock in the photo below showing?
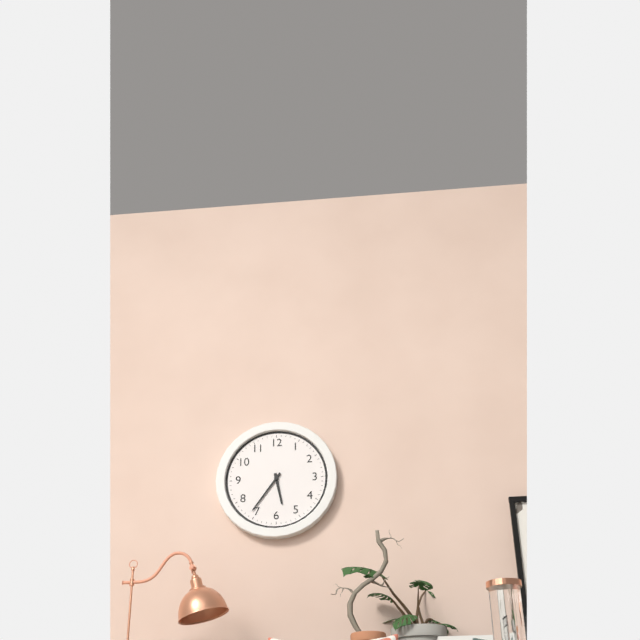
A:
5 h 36 min
